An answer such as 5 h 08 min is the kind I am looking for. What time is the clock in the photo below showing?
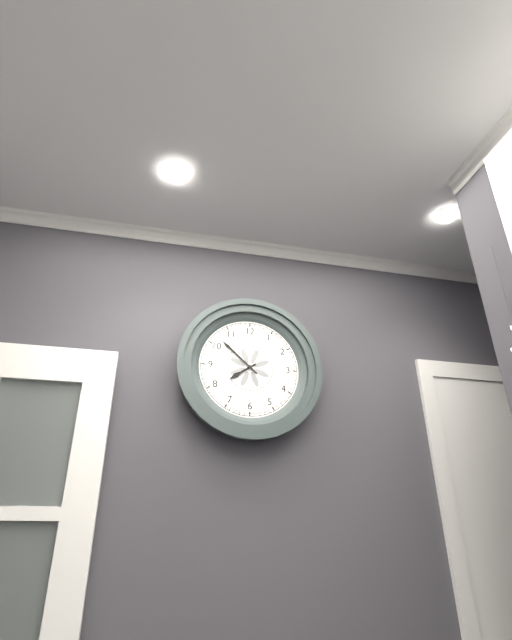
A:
7 h 52 min
